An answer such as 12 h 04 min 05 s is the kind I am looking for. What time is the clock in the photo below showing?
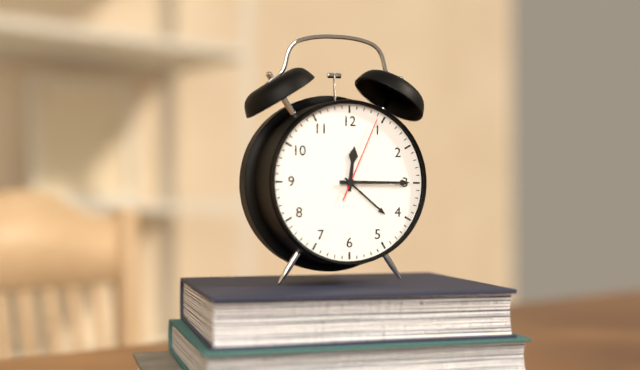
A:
12 h 15 min 04 s
